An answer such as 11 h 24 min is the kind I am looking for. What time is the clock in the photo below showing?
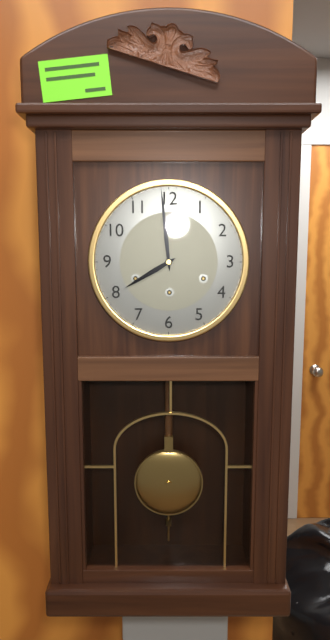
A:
7 h 59 min
